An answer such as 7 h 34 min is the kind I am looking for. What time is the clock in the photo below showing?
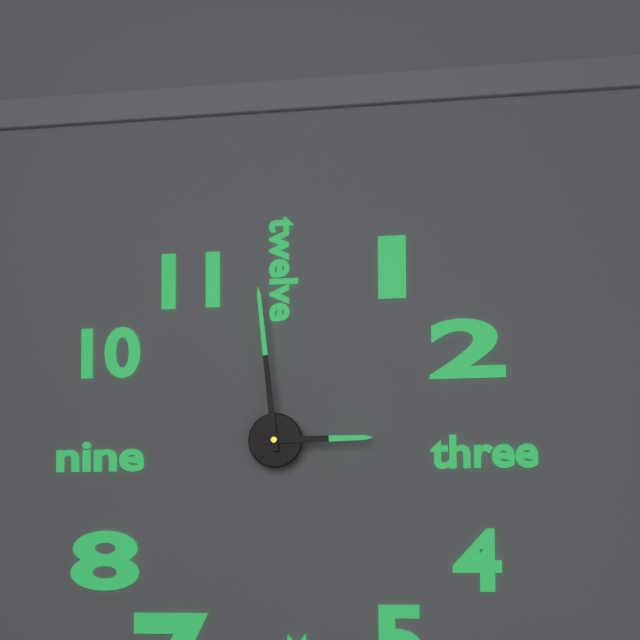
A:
2 h 59 min
